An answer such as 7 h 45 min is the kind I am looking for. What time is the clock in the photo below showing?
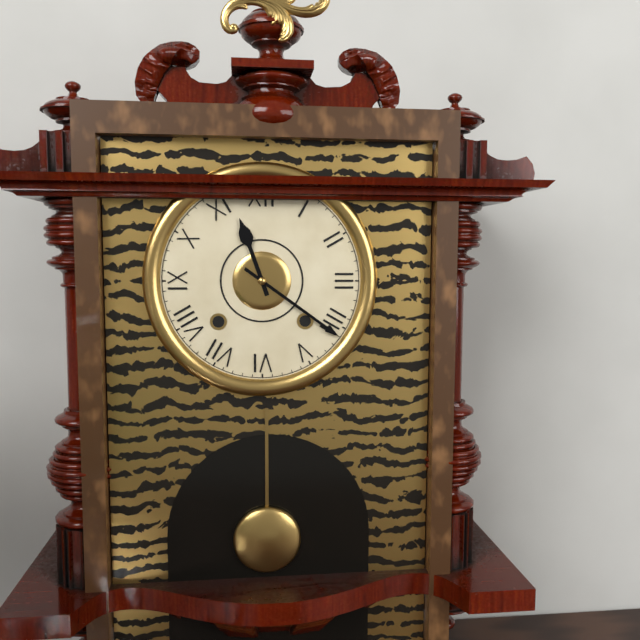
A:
11 h 21 min
